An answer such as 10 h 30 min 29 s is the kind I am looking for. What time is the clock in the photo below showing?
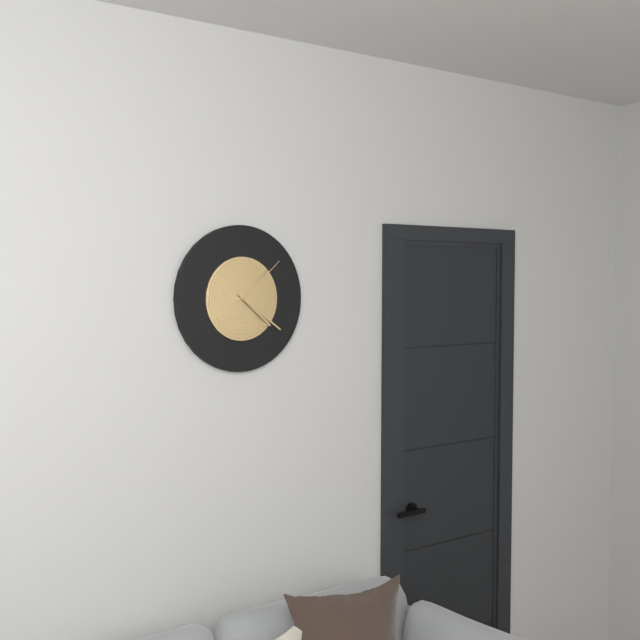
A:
4 h 21 min 08 s
